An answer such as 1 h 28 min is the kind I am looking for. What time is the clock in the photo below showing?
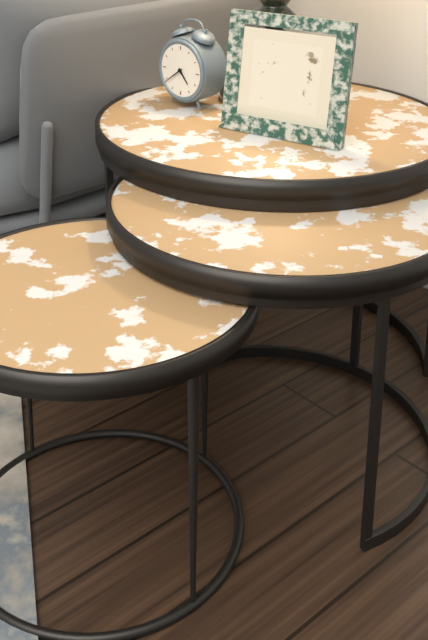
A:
4 h 39 min
